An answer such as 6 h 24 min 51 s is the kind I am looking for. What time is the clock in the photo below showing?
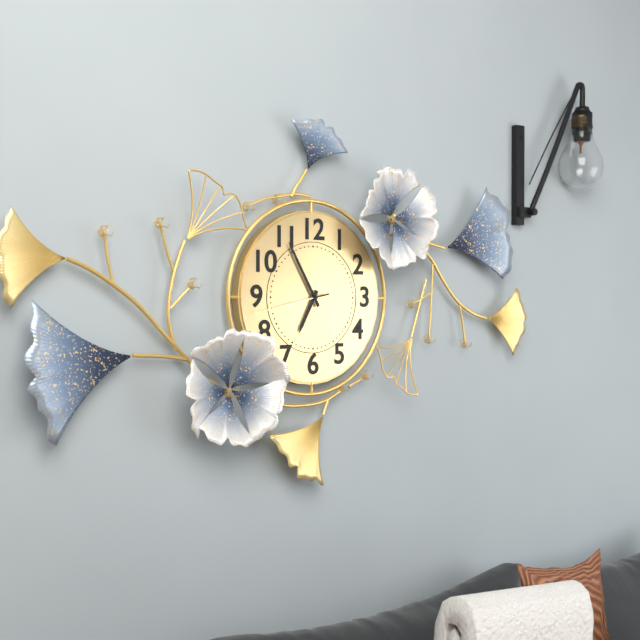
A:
6 h 55 min 43 s
